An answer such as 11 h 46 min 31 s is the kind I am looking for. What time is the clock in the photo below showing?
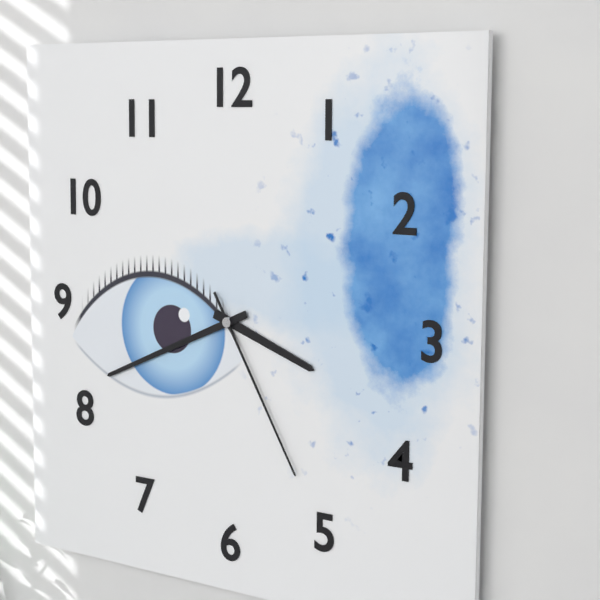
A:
3 h 41 min 25 s
